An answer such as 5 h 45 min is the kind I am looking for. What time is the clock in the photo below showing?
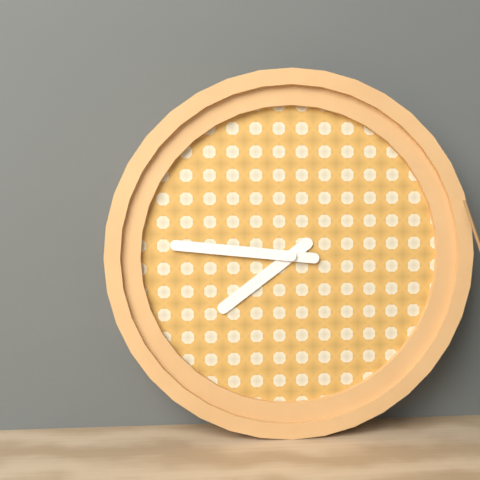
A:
7 h 46 min
